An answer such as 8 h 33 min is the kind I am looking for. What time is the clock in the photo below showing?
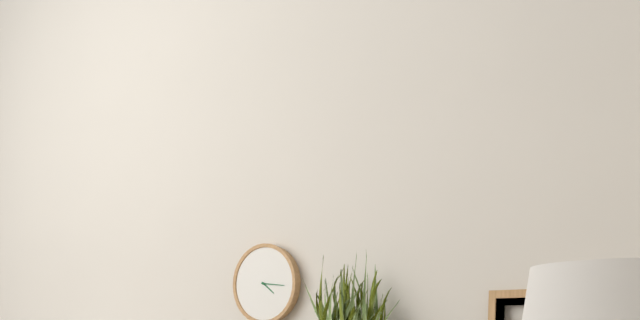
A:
4 h 16 min
